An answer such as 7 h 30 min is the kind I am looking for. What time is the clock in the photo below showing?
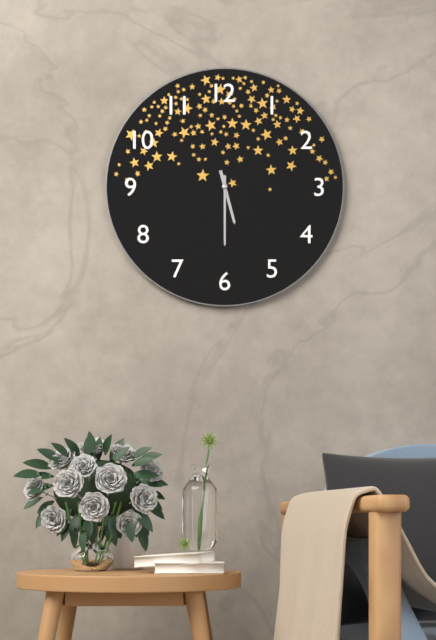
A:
5 h 30 min
